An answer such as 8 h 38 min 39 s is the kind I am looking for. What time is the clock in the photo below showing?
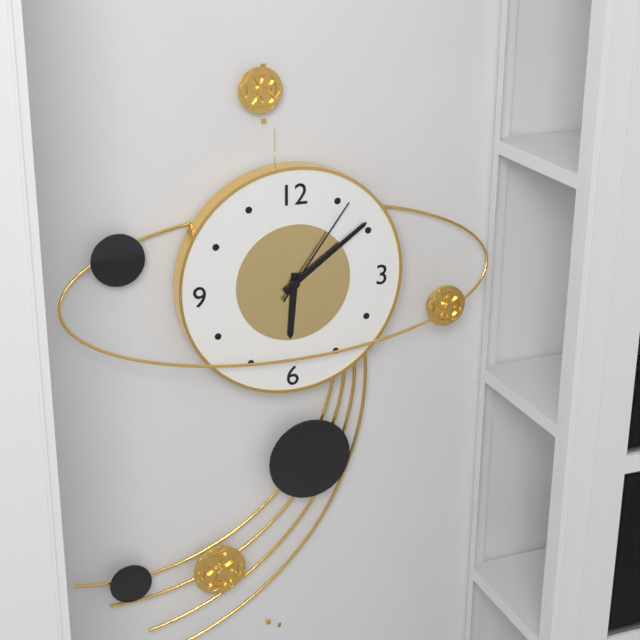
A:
6 h 09 min 06 s
